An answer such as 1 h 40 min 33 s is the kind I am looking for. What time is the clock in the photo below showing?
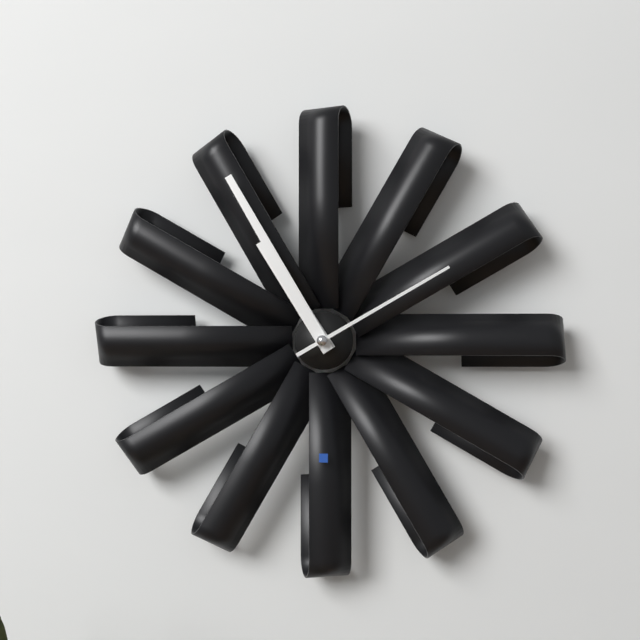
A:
10 h 55 min 10 s
